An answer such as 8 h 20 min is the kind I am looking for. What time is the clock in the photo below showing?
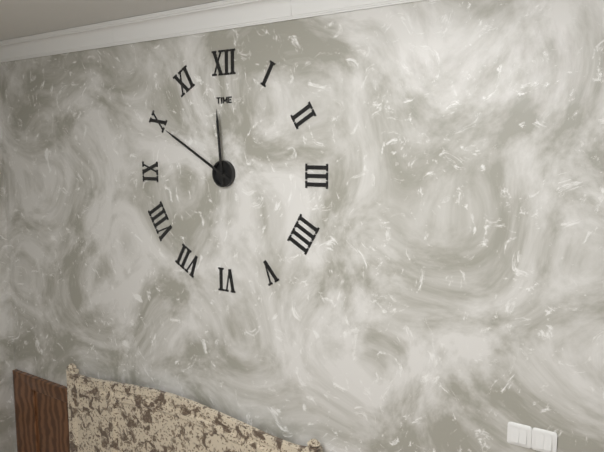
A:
11 h 50 min
